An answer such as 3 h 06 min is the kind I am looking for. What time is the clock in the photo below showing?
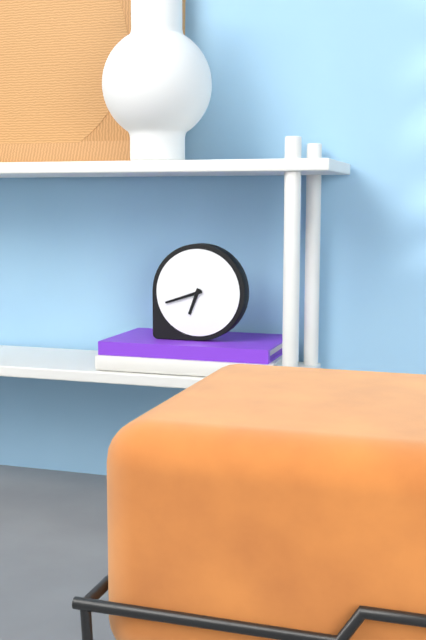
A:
6 h 42 min
